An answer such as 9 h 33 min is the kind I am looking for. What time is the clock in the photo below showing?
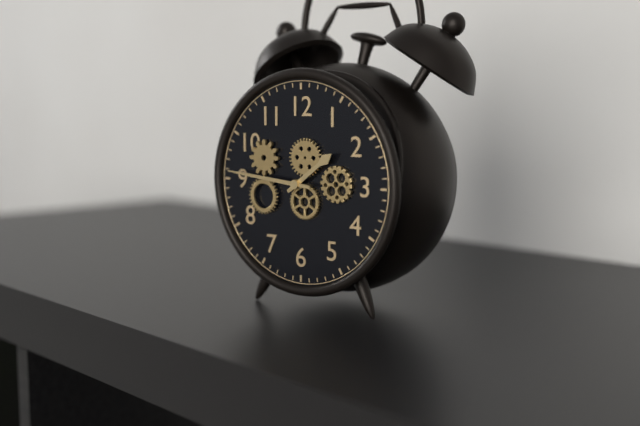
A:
1 h 46 min
